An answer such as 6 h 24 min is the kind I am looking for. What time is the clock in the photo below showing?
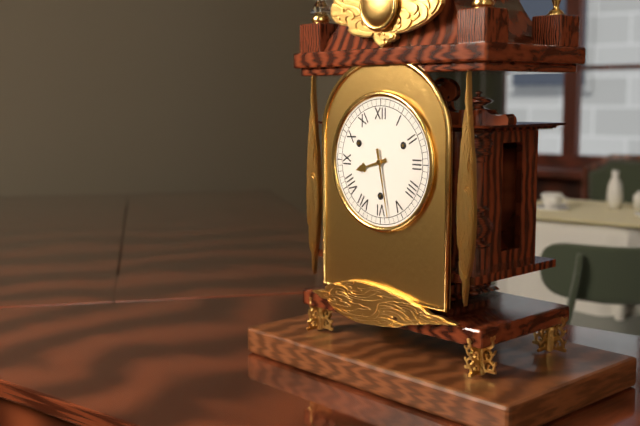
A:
8 h 28 min
